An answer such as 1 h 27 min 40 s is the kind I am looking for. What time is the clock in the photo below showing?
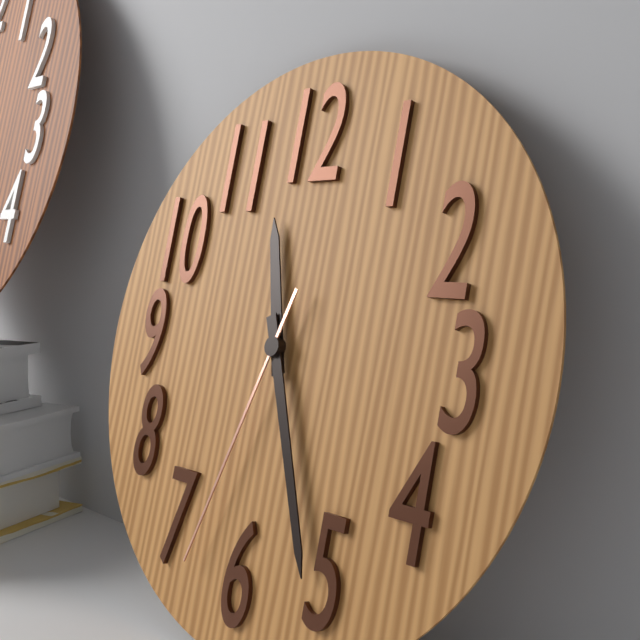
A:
11 h 26 min 33 s
